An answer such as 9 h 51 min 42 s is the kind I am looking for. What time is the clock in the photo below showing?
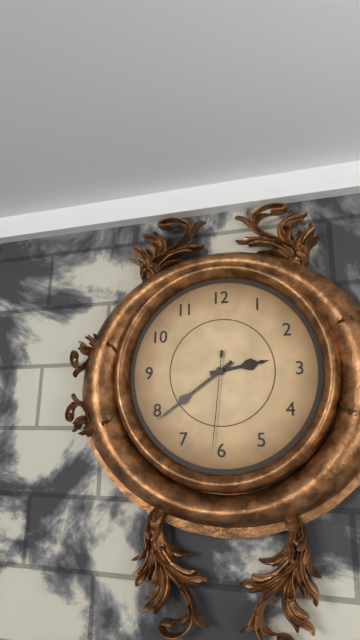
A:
2 h 39 min 31 s
